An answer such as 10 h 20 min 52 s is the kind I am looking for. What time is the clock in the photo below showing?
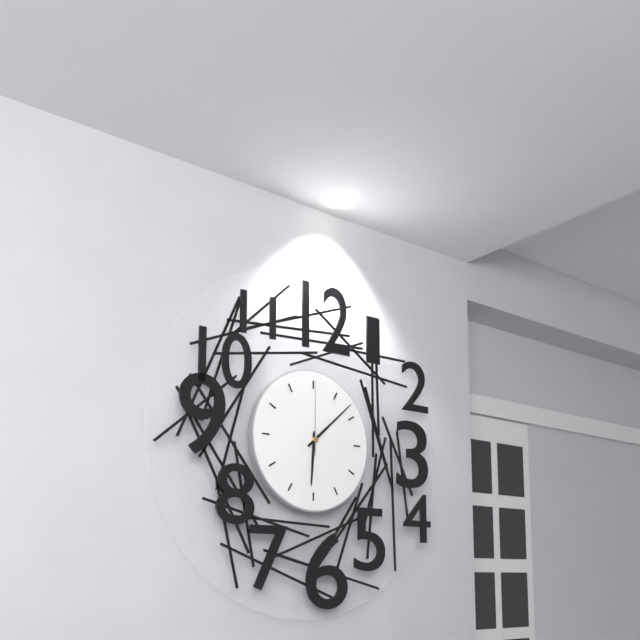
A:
6 h 08 min 00 s
